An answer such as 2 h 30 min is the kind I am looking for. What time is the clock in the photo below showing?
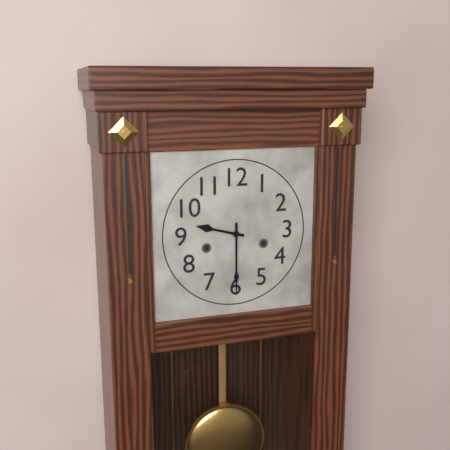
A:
9 h 30 min
